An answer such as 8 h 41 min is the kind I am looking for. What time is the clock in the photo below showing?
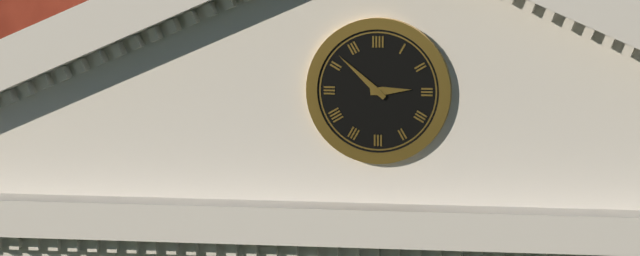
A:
2 h 52 min
